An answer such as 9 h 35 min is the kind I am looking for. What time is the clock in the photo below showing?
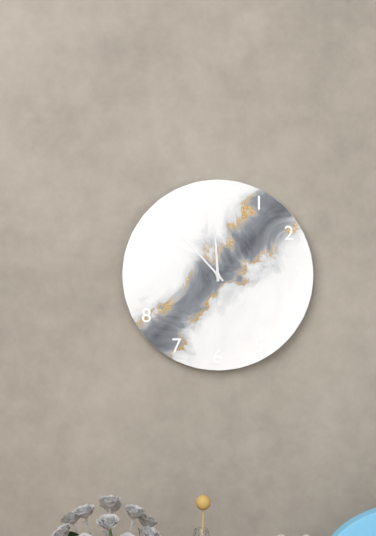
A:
11 h 53 min
